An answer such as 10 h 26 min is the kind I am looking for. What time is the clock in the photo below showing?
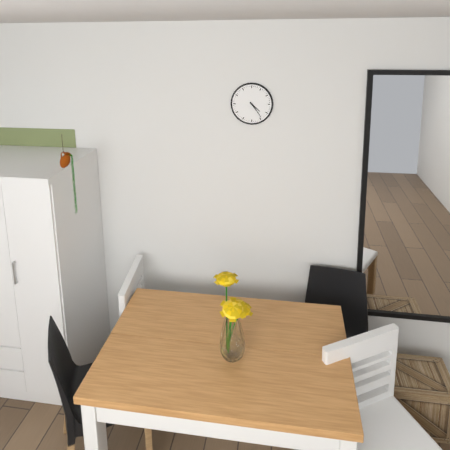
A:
4 h 24 min
